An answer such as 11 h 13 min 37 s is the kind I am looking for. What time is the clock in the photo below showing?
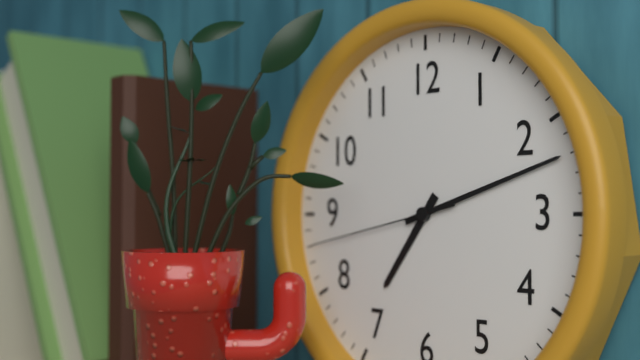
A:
7 h 12 min 43 s
